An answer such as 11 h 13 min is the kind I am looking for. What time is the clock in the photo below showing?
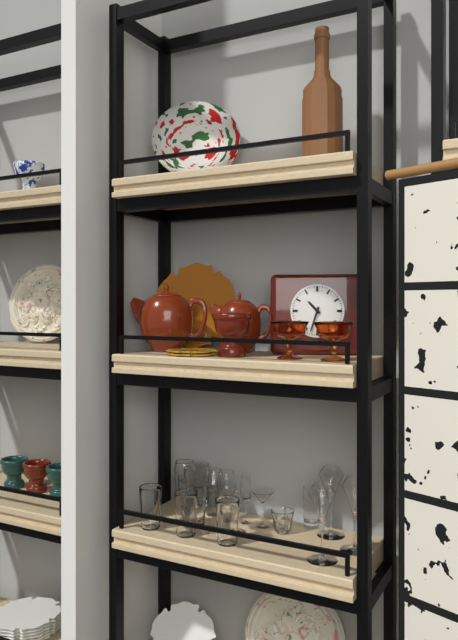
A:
10 h 33 min
